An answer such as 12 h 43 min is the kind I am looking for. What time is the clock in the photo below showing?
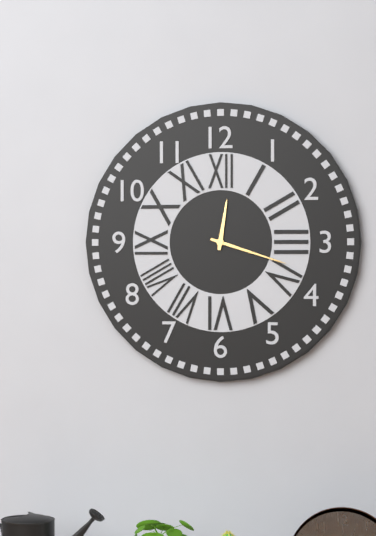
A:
12 h 18 min
